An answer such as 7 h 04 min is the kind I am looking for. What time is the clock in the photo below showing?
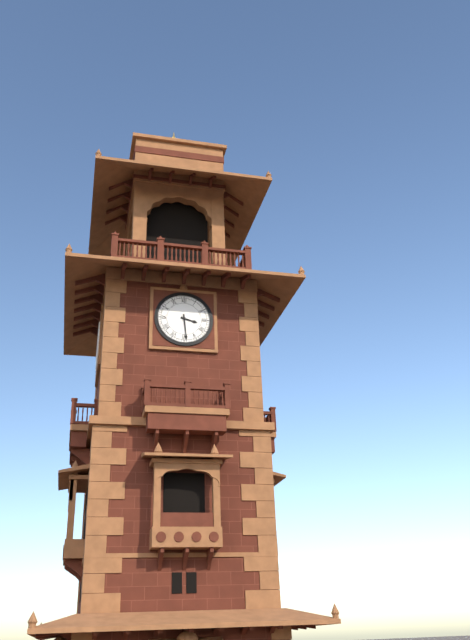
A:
3 h 29 min
